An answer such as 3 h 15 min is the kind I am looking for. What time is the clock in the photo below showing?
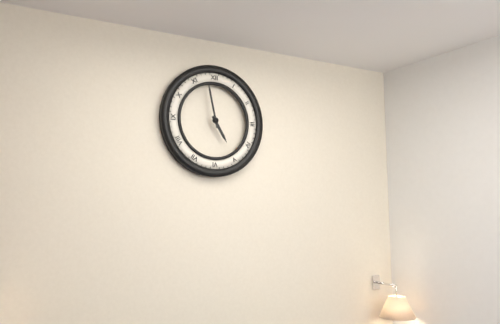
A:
4 h 58 min
